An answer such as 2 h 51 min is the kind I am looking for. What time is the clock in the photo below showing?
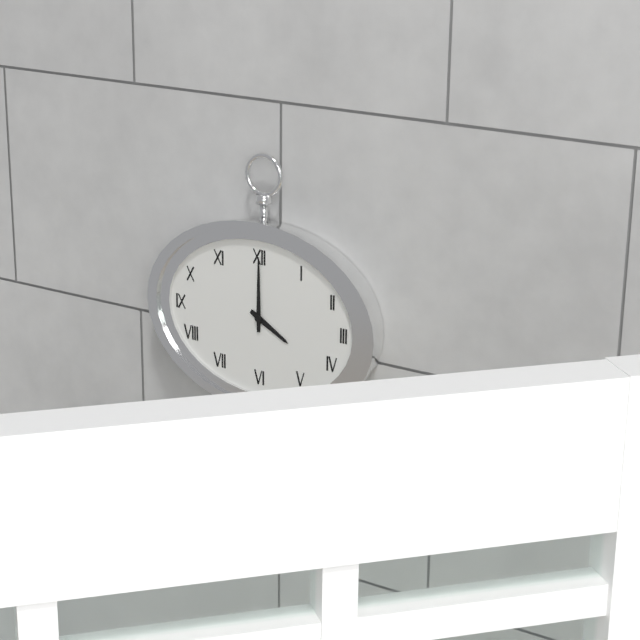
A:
4 h 00 min
